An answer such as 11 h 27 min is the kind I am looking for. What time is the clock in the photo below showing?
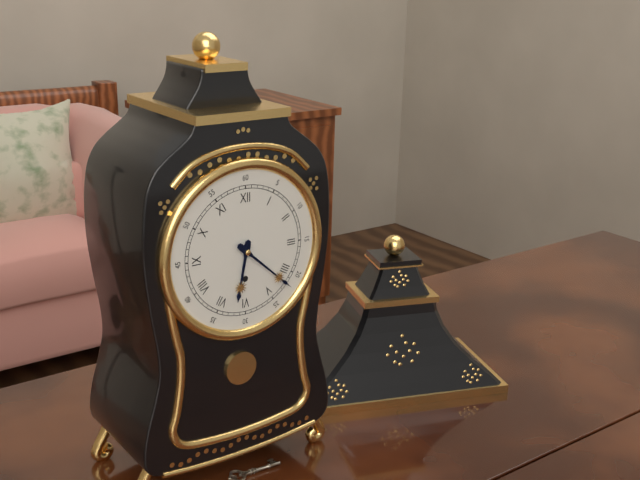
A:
6 h 22 min
